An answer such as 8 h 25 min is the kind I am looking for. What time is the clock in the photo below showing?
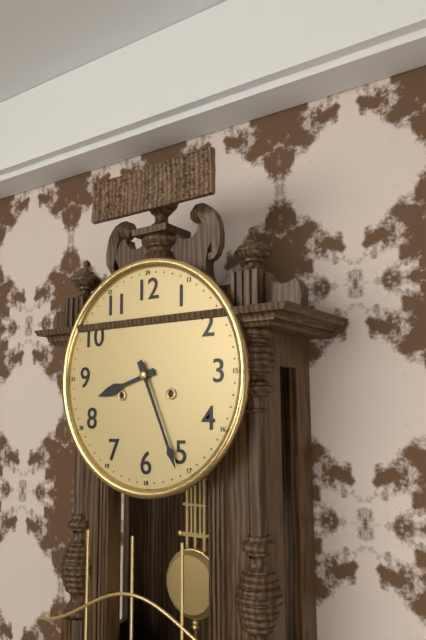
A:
8 h 26 min
